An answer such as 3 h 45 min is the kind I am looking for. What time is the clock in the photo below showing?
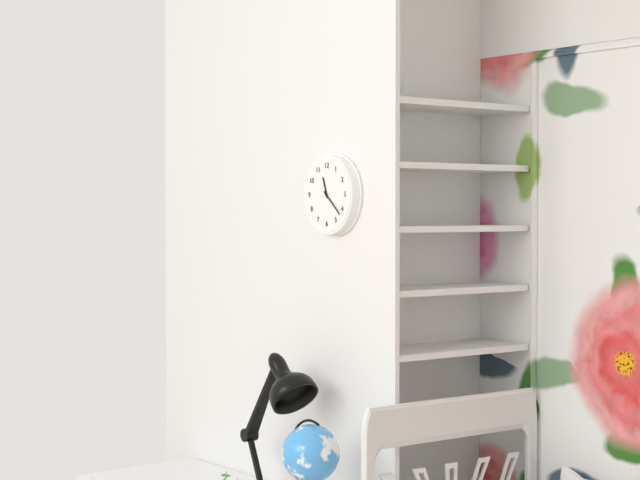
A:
11 h 22 min
